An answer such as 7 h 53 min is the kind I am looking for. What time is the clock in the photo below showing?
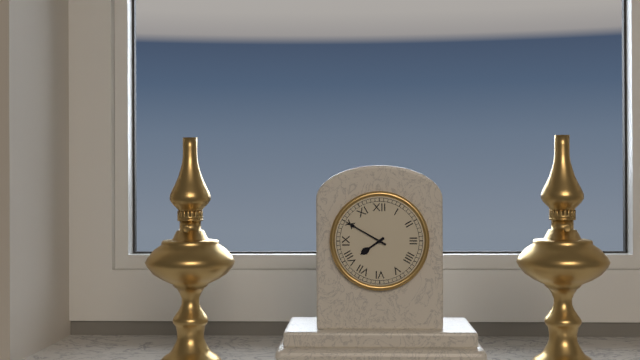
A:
7 h 50 min
